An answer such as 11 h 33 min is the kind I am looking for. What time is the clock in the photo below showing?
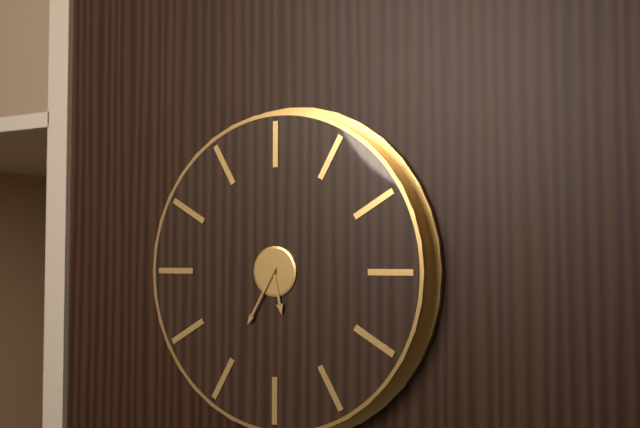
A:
5 h 35 min
